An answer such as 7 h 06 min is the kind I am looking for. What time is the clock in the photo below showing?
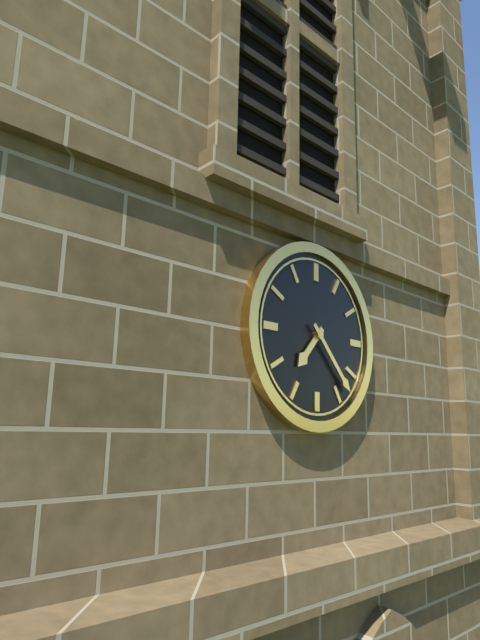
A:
7 h 23 min
